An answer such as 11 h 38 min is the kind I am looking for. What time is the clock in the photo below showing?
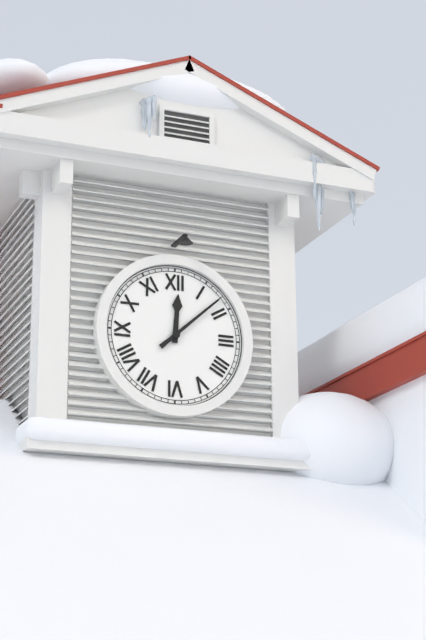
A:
12 h 08 min
